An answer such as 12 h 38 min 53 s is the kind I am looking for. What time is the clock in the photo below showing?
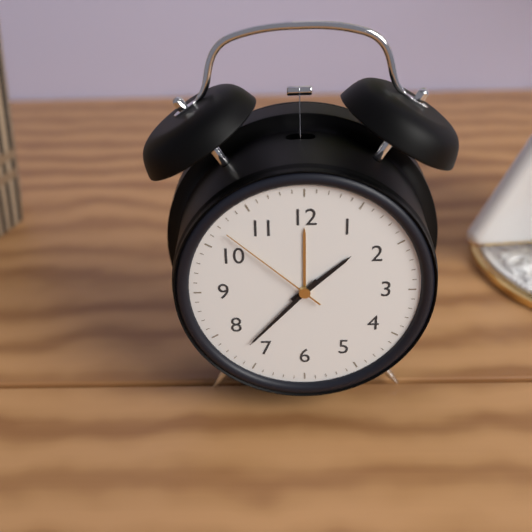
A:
1 h 37 min 52 s
